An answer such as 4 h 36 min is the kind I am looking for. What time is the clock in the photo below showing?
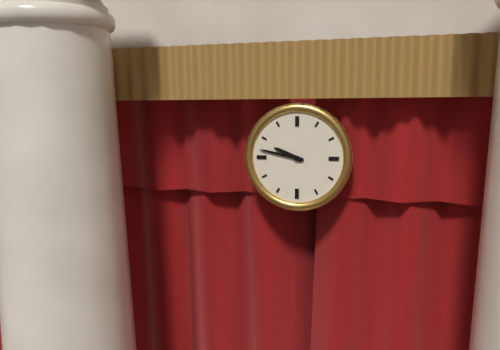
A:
9 h 47 min
